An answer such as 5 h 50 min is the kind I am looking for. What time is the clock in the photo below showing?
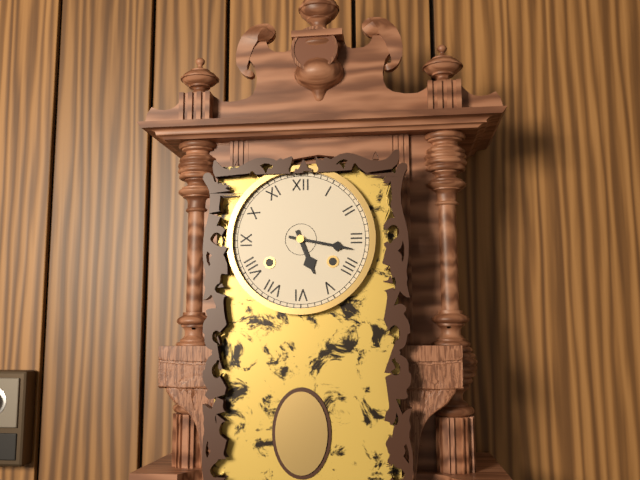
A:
5 h 17 min
